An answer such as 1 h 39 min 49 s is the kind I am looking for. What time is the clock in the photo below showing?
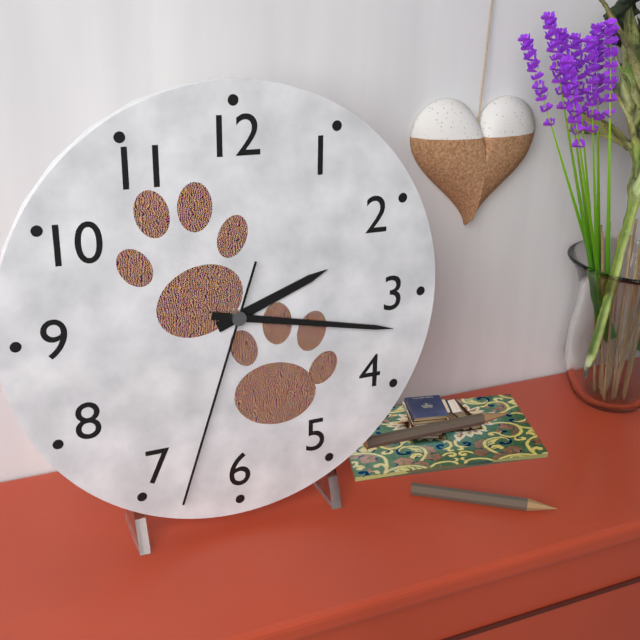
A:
2 h 17 min 33 s
